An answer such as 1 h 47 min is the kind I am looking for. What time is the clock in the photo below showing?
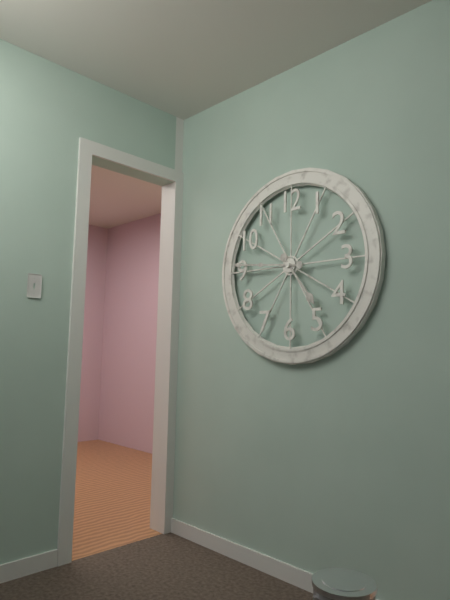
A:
4 h 46 min
